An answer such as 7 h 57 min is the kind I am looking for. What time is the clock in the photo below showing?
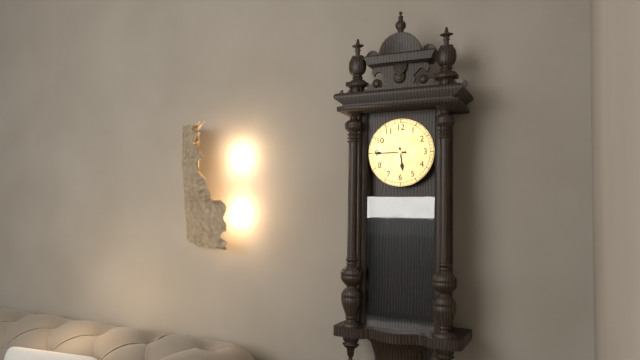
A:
5 h 45 min
